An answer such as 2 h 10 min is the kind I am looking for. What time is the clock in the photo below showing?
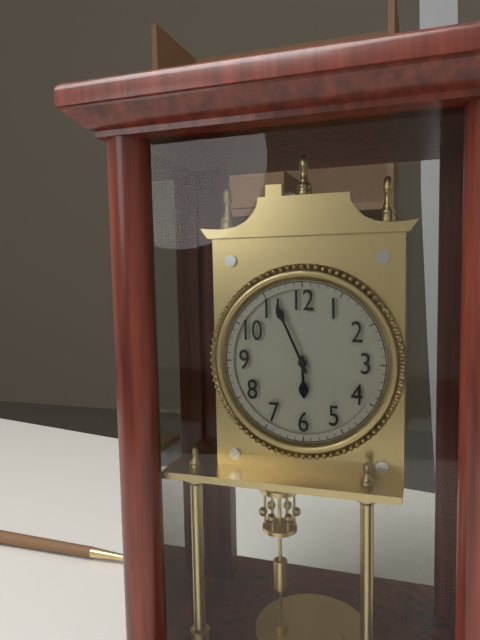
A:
5 h 56 min
